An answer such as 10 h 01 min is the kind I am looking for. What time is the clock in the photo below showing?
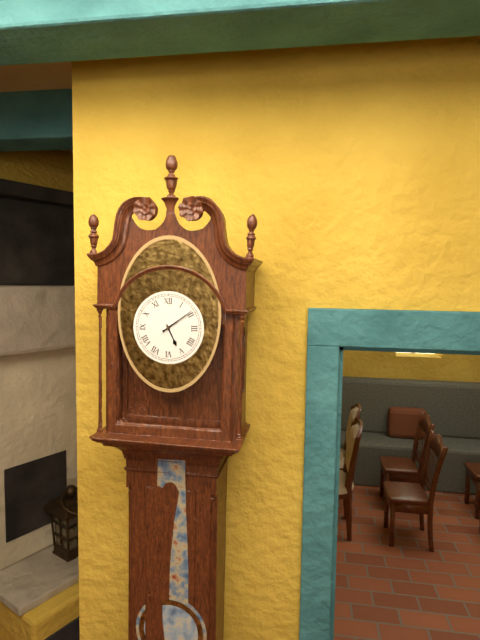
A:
5 h 09 min
